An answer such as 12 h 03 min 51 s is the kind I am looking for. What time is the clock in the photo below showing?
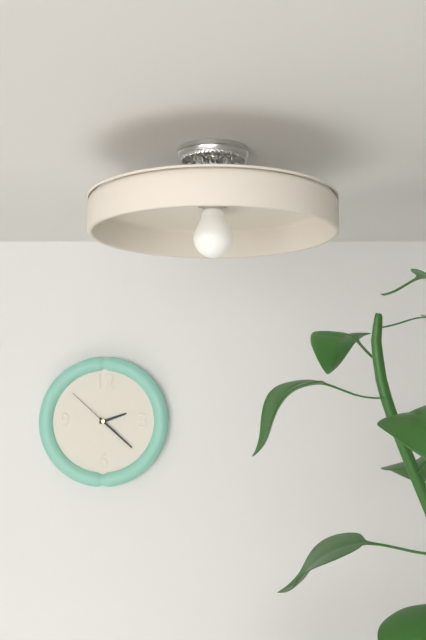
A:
2 h 22 min 52 s
